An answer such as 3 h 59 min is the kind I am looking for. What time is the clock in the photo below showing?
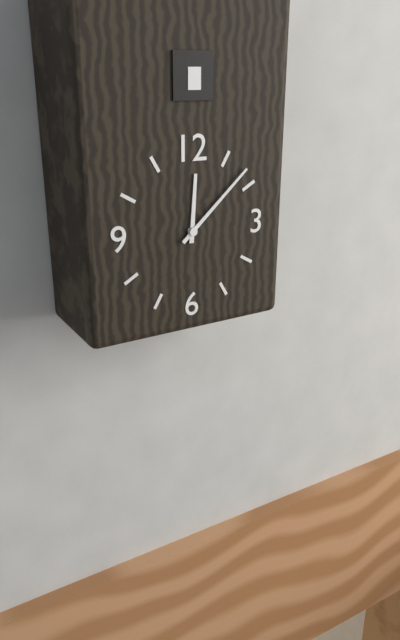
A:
12 h 08 min
